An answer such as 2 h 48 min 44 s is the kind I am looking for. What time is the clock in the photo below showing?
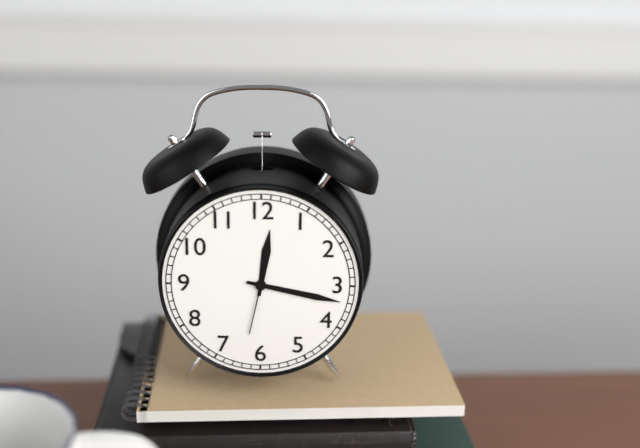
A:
12 h 17 min 32 s
